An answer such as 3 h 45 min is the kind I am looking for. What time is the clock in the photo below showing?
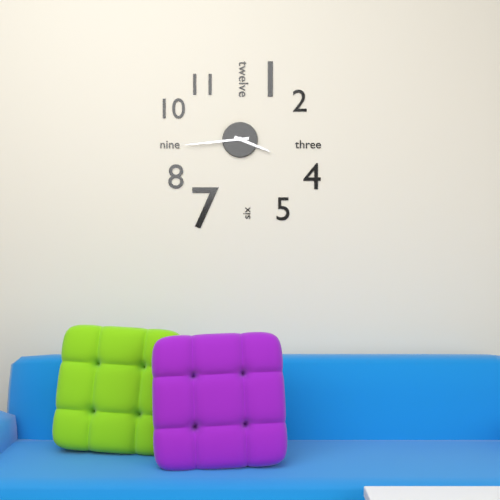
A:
3 h 44 min
